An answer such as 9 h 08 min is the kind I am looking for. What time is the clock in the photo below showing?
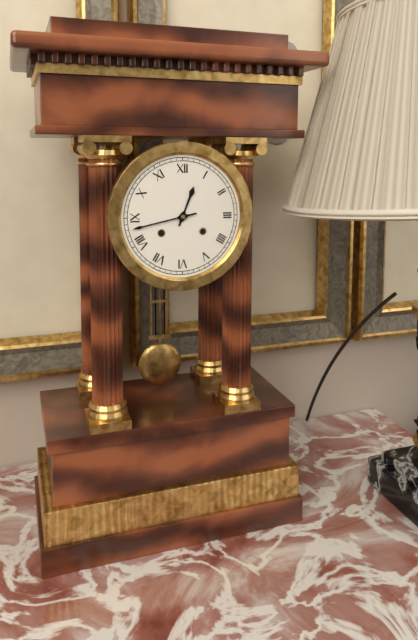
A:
12 h 43 min
